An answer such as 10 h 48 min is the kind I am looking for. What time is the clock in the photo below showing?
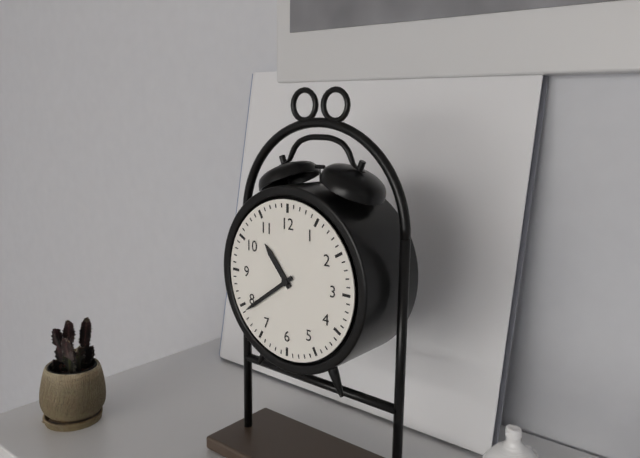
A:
10 h 39 min
